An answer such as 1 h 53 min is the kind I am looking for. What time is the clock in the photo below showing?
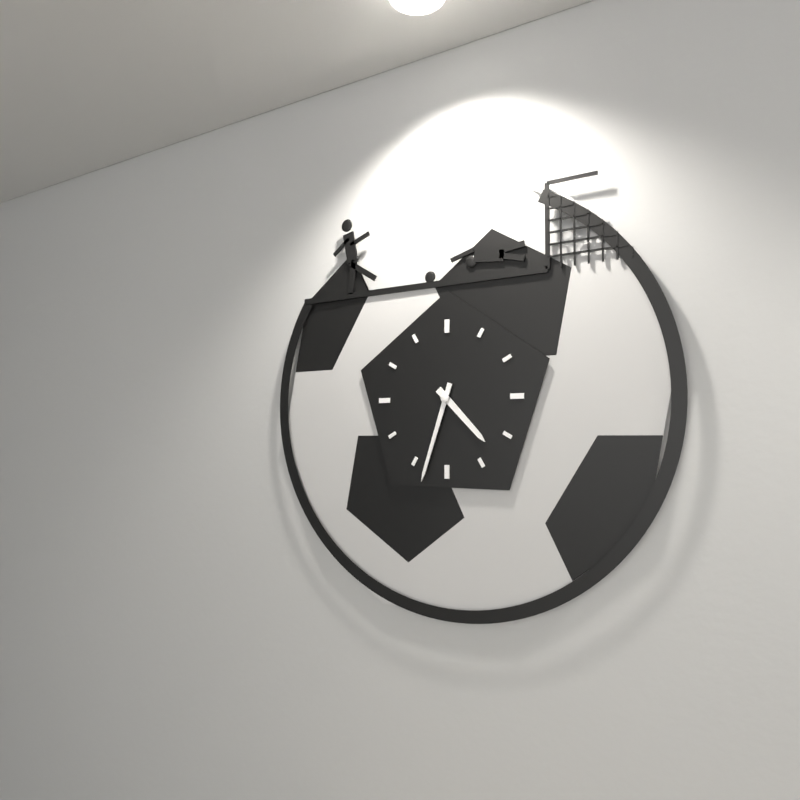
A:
4 h 33 min
